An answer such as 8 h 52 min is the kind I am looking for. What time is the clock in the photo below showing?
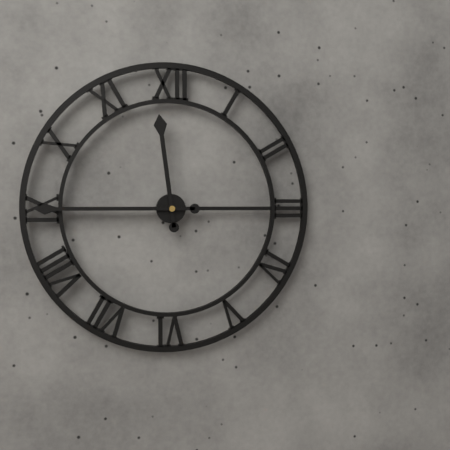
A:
11 h 45 min
